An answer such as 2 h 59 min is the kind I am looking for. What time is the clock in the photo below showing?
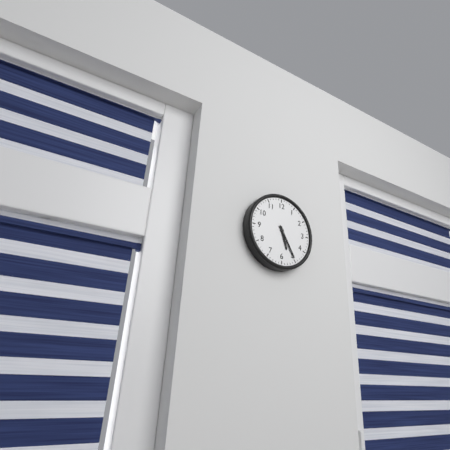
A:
5 h 25 min
